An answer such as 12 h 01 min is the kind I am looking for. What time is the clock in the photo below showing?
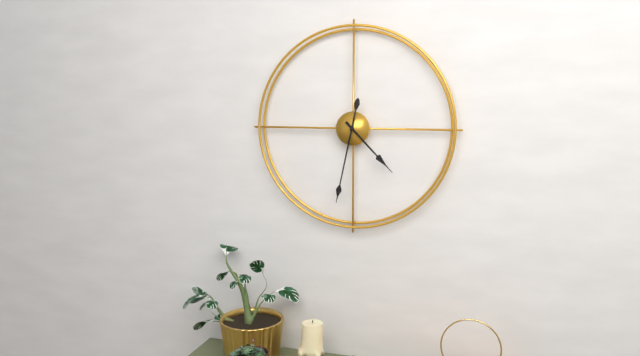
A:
4 h 32 min
